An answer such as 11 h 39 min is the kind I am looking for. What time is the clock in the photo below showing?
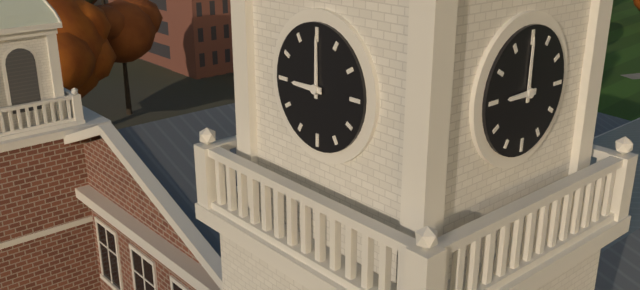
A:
9 h 00 min
